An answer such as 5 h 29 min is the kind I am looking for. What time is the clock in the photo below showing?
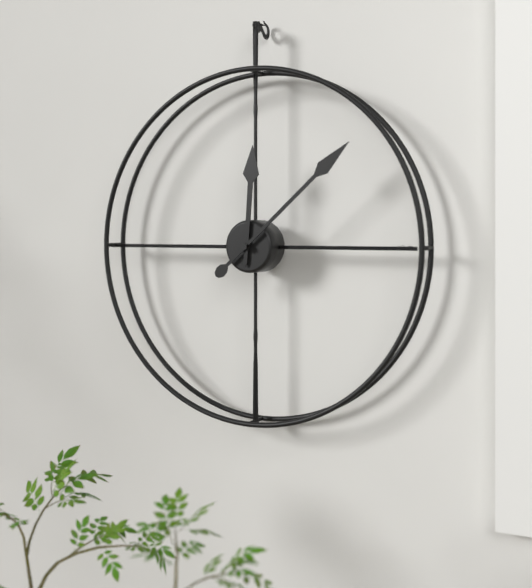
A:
12 h 08 min
